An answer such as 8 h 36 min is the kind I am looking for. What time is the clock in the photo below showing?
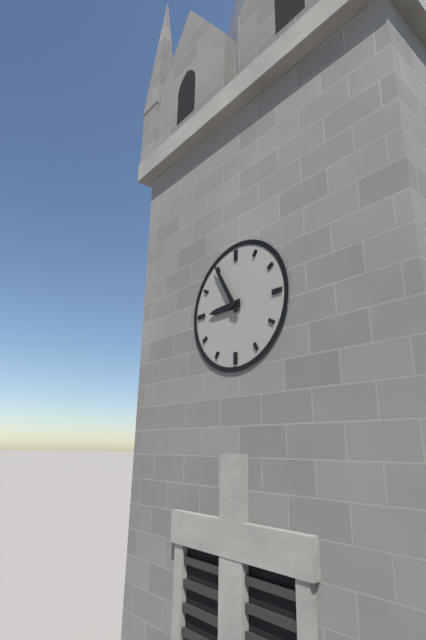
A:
8 h 55 min
